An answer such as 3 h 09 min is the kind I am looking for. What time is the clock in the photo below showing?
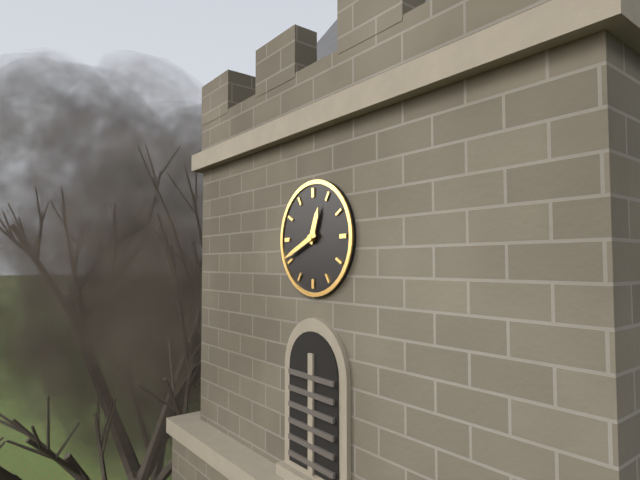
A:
12 h 41 min
